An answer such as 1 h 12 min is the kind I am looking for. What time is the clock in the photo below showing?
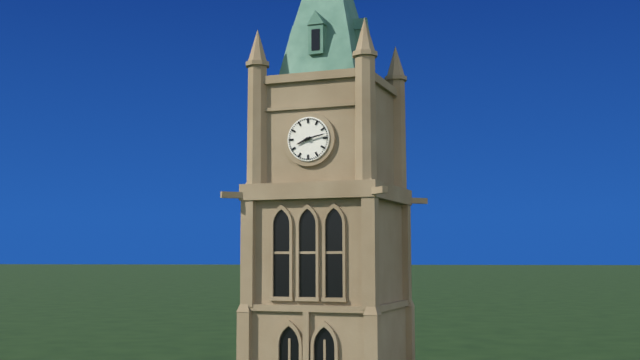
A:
8 h 13 min
